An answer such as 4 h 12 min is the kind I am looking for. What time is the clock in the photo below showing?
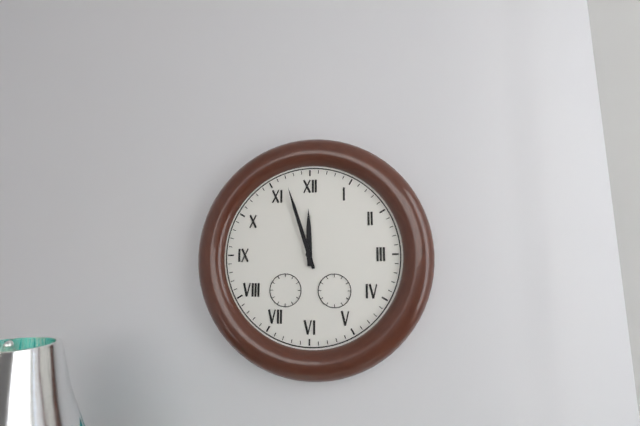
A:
11 h 57 min
